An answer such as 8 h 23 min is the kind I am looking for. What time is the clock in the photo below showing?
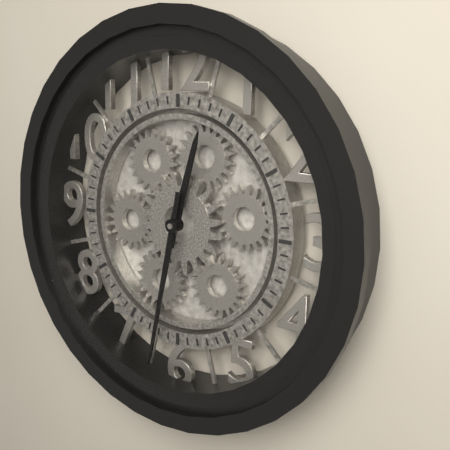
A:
12 h 32 min
